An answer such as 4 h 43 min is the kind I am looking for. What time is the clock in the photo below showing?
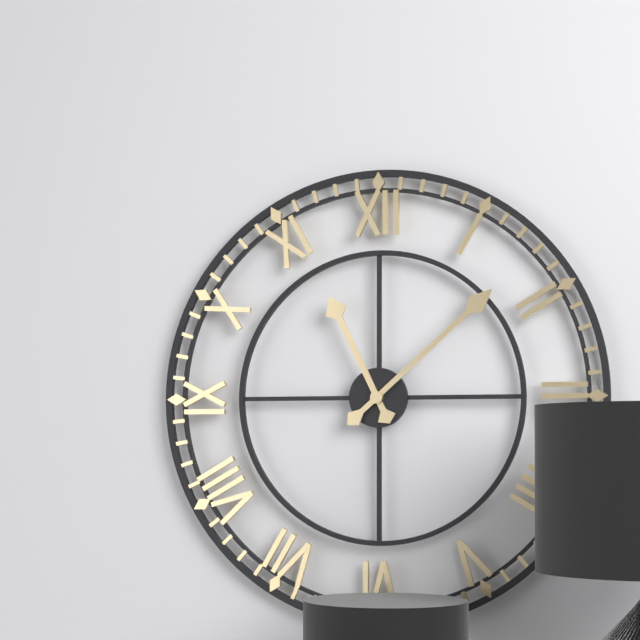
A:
11 h 08 min
